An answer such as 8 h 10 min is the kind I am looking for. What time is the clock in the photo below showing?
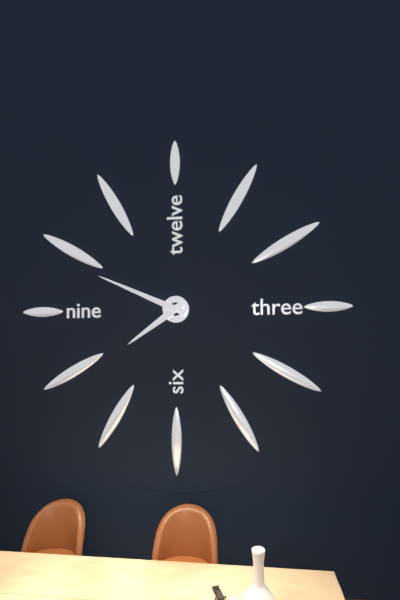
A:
7 h 49 min
